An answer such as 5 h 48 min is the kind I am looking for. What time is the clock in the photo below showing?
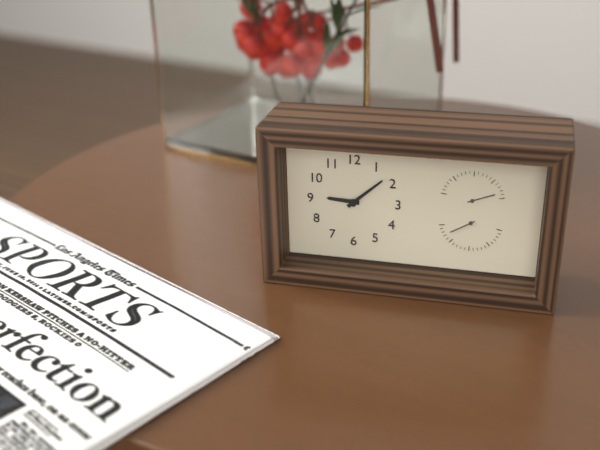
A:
9 h 08 min
